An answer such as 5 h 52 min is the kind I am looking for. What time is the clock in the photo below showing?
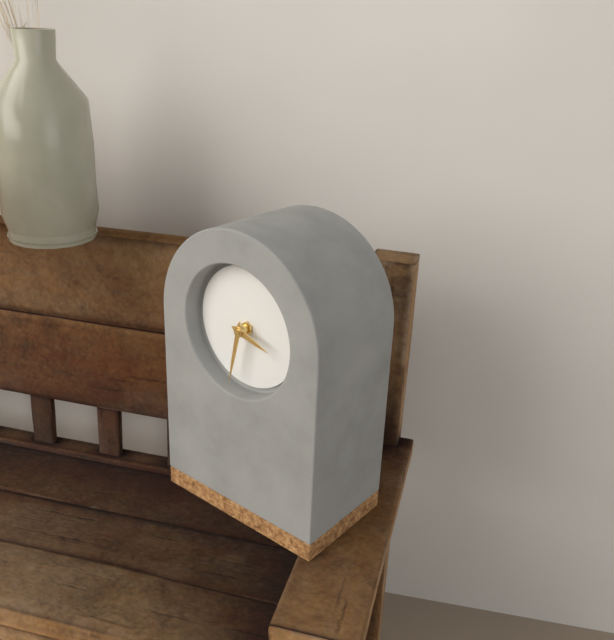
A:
3 h 32 min
